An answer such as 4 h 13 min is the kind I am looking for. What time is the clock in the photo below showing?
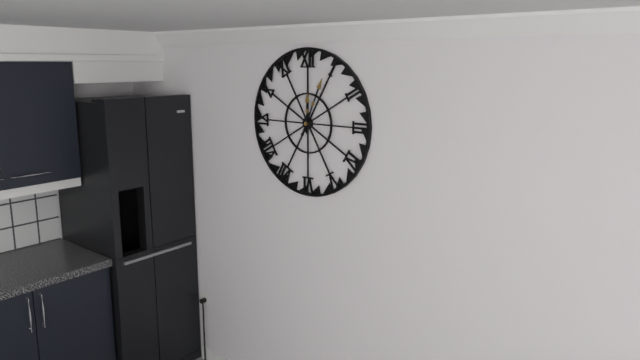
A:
12 h 04 min
